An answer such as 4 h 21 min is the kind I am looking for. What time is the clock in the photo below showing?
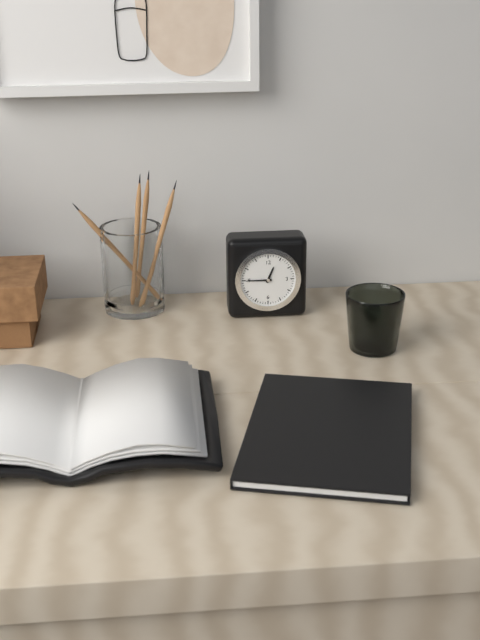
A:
12 h 45 min
